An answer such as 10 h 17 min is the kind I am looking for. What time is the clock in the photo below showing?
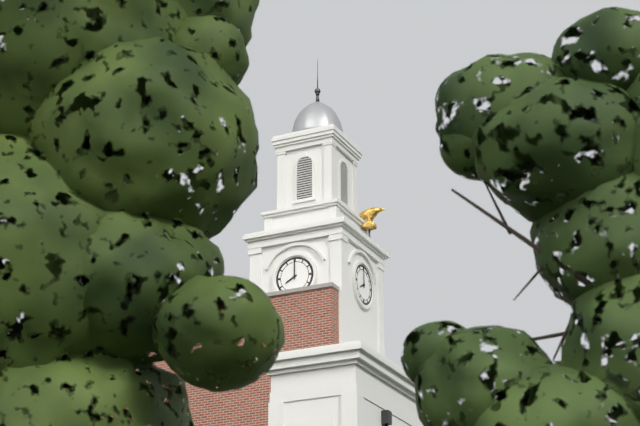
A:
8 h 00 min
